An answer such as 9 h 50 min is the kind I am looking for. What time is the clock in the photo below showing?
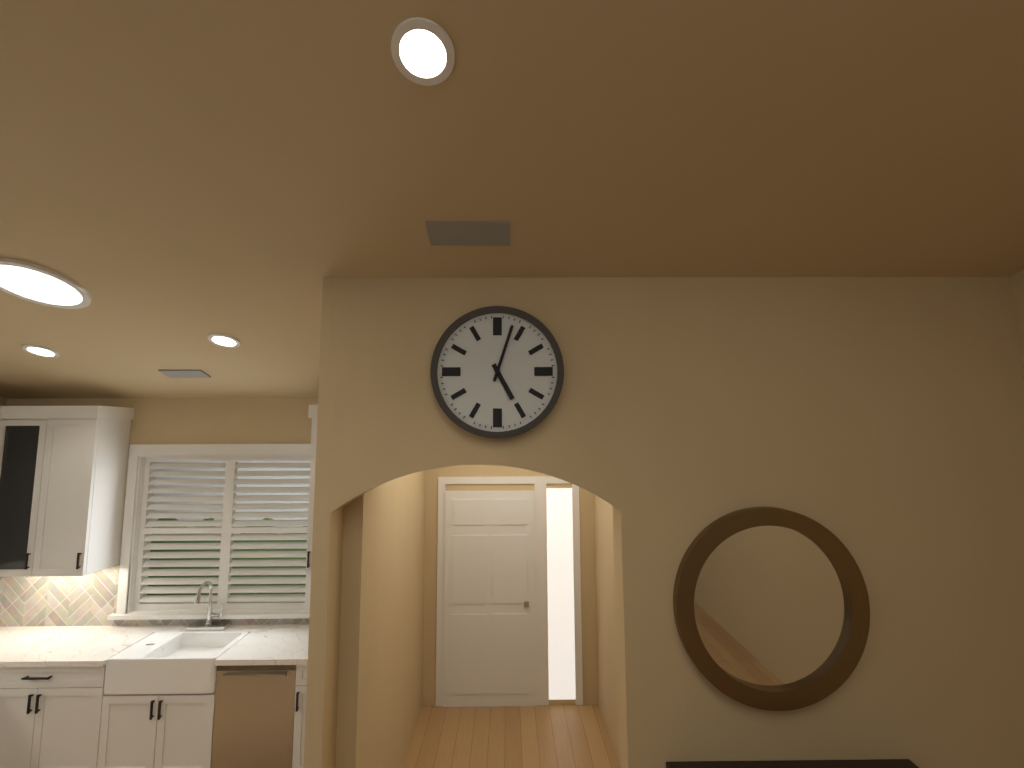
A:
5 h 03 min
